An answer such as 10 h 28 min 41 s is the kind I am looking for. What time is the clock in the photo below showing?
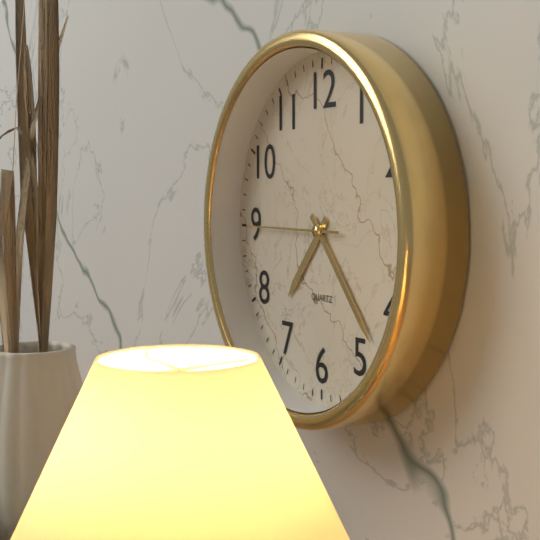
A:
7 h 23 min 45 s
